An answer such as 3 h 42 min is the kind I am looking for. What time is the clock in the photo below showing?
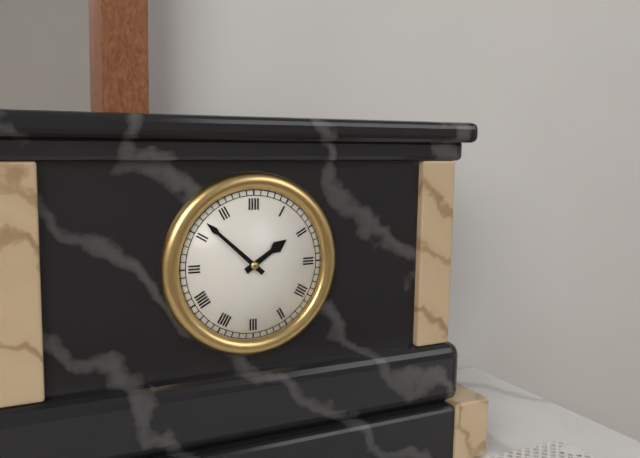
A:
1 h 52 min
